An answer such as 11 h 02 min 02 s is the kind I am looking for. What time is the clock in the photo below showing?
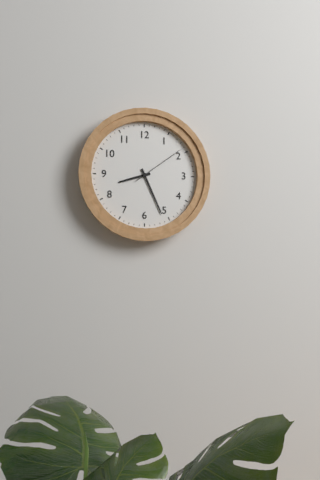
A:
8 h 26 min 09 s
